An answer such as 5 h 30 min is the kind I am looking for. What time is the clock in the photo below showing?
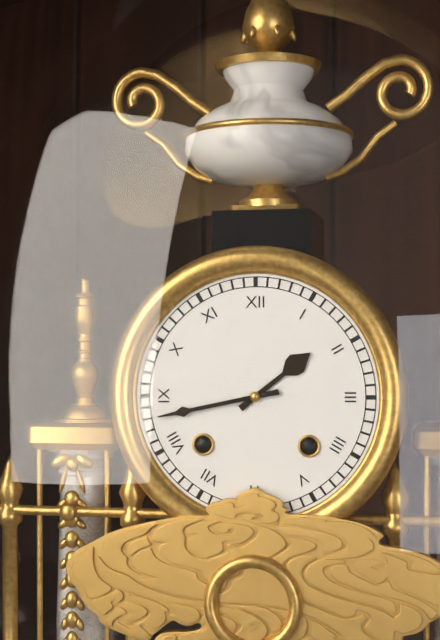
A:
1 h 43 min
